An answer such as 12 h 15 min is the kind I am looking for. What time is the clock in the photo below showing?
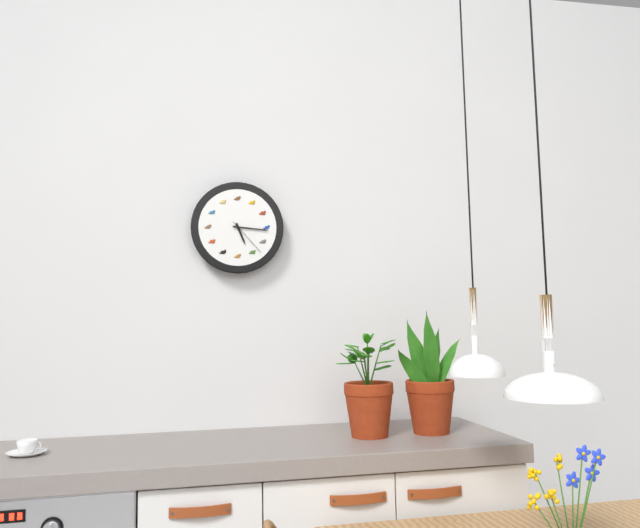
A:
5 h 16 min
